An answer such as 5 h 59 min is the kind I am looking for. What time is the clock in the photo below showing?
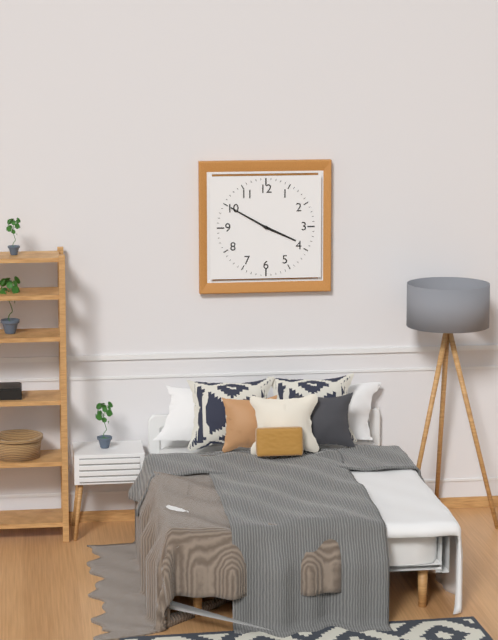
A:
3 h 50 min
